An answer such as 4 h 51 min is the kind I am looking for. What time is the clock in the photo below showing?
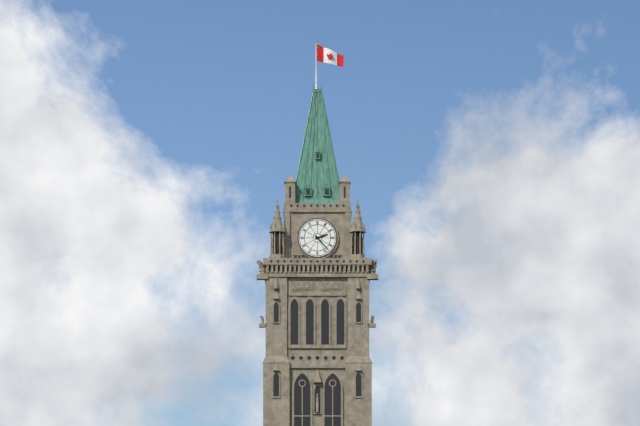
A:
2 h 23 min
